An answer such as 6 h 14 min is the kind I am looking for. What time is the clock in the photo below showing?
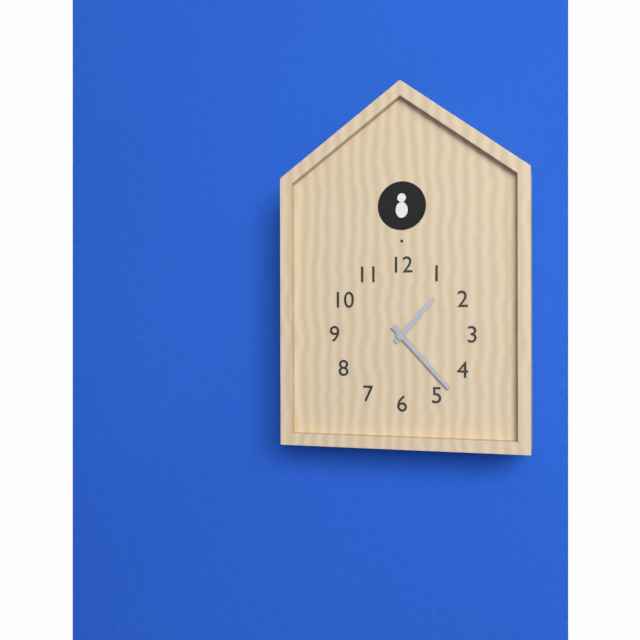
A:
1 h 23 min
